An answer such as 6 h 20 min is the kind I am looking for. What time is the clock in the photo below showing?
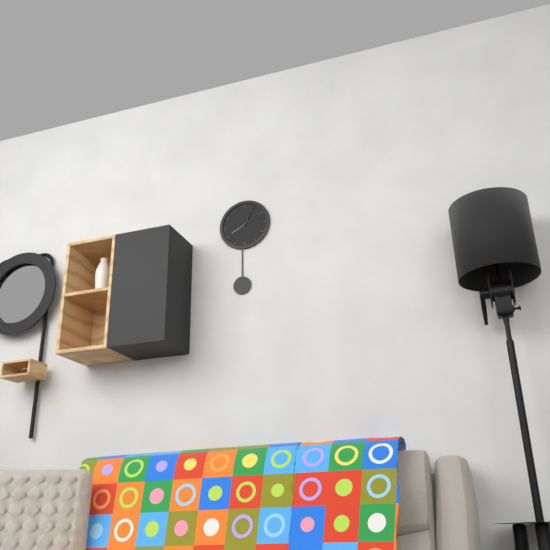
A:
8 h 05 min
